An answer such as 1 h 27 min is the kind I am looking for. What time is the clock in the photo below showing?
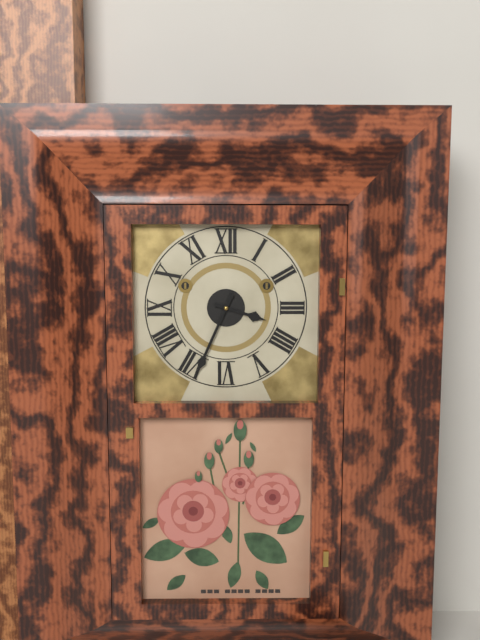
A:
3 h 34 min
